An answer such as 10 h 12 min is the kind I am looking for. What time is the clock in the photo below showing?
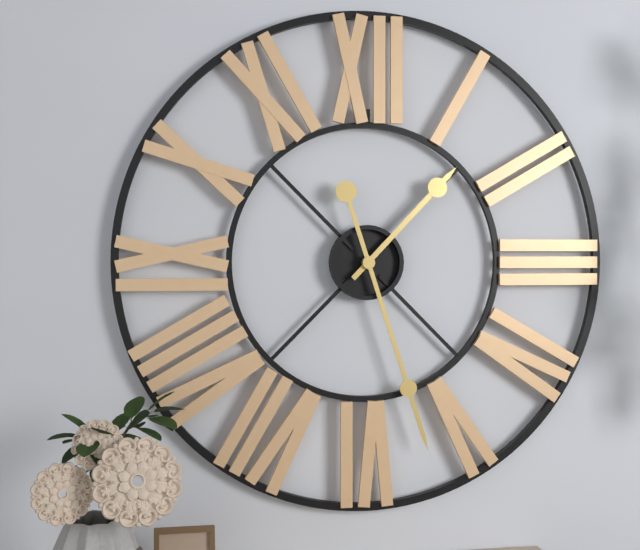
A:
1 h 27 min
